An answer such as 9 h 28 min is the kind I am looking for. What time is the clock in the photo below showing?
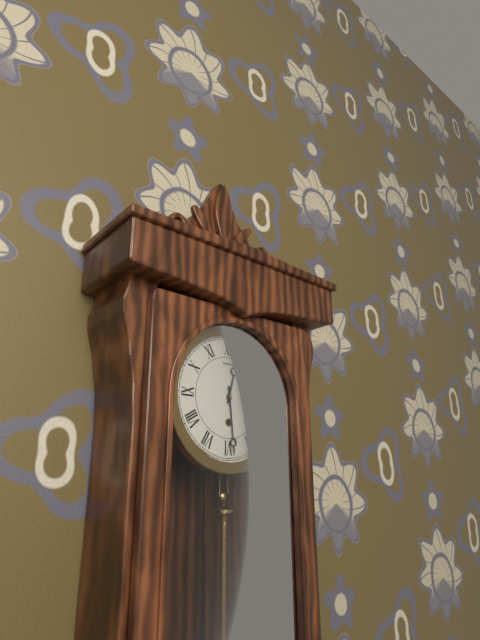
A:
12 h 29 min
